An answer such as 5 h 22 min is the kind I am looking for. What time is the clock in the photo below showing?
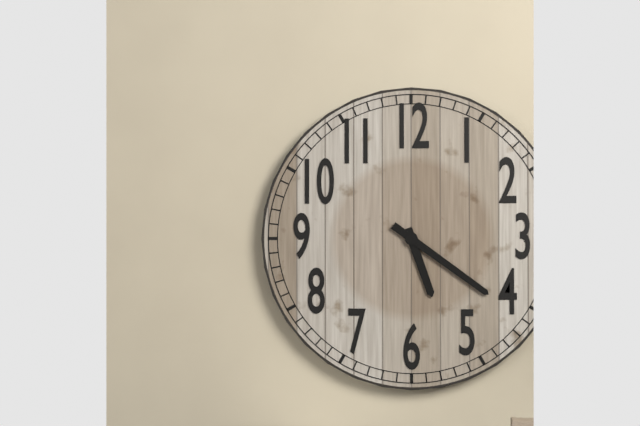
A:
5 h 21 min
